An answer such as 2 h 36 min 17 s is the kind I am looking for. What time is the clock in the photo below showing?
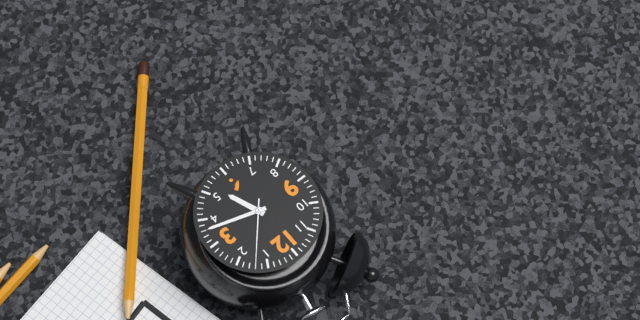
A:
5 h 18 min 07 s
